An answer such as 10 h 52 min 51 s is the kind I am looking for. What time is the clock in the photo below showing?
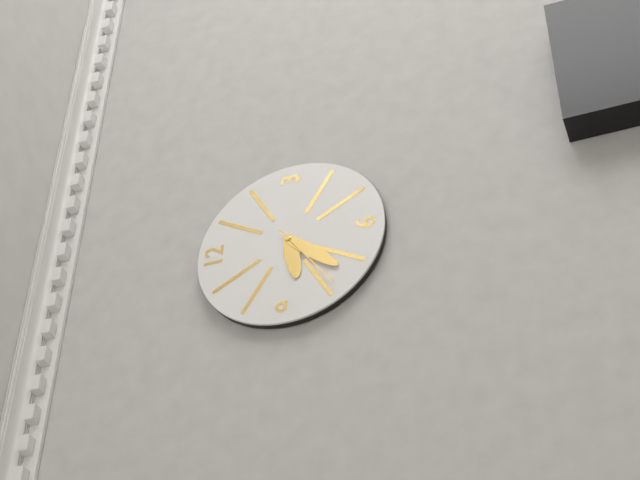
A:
8 h 37 min 39 s
